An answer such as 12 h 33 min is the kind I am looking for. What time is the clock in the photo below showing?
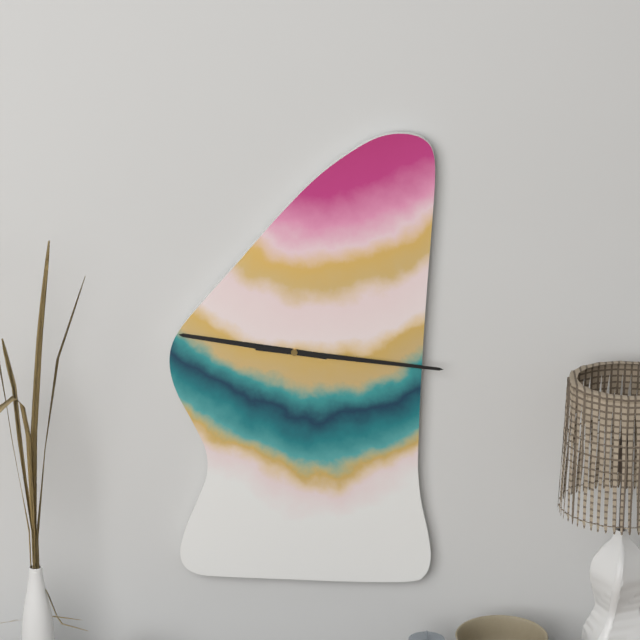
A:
9 h 16 min
